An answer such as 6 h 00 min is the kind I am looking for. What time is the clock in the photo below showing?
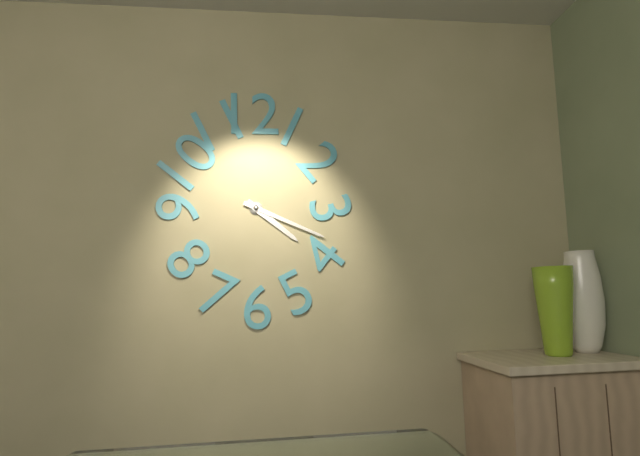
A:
4 h 19 min
